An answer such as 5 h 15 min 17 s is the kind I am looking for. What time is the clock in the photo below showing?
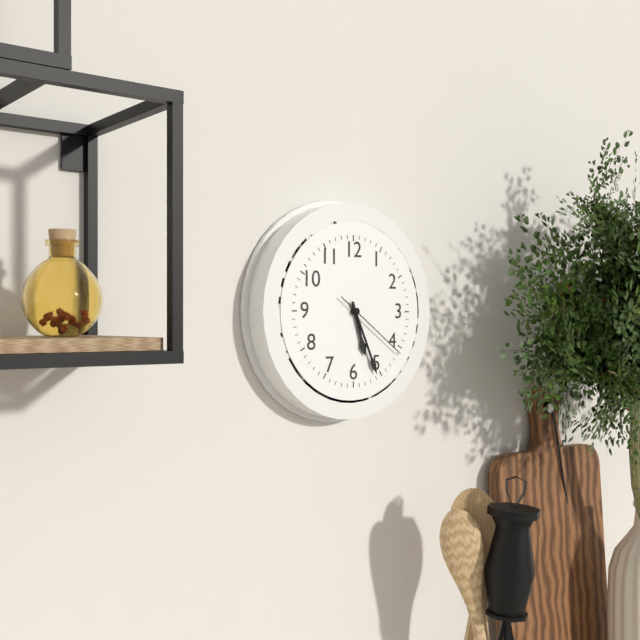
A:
5 h 26 min 21 s
